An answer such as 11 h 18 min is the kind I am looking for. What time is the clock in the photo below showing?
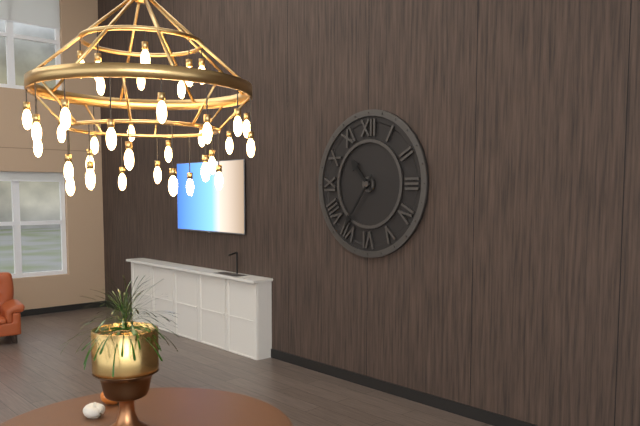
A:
10 h 36 min
